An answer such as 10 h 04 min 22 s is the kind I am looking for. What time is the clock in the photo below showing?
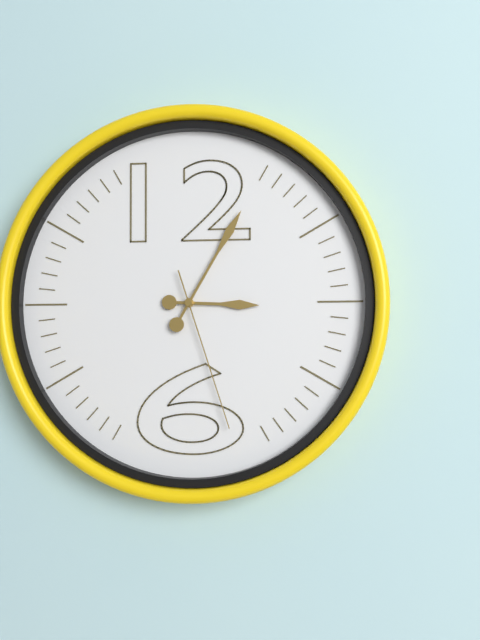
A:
3 h 05 min 27 s
